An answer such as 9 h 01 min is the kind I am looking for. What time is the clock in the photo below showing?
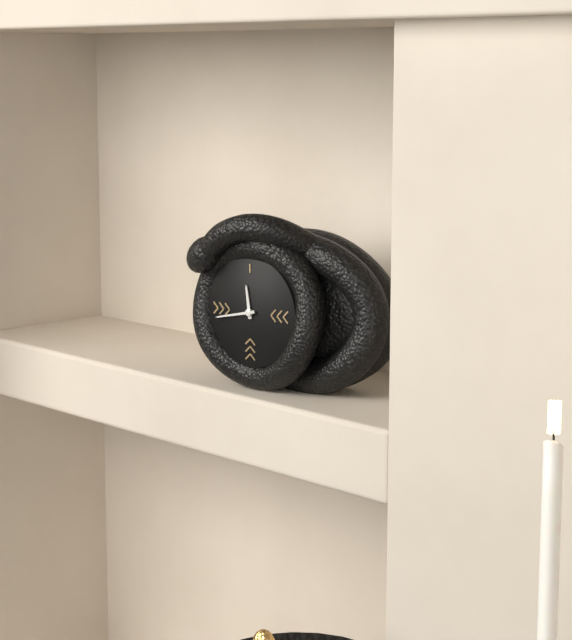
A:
11 h 43 min
